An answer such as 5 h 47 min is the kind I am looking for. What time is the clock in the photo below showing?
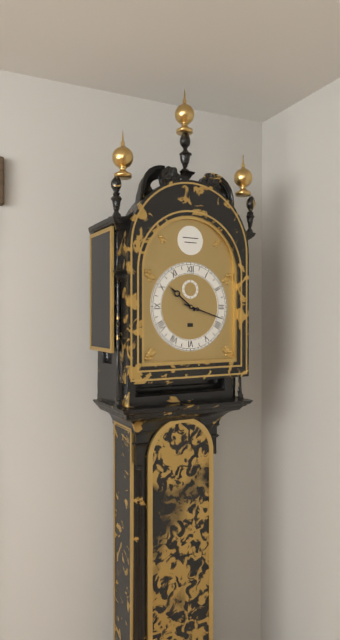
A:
10 h 18 min
